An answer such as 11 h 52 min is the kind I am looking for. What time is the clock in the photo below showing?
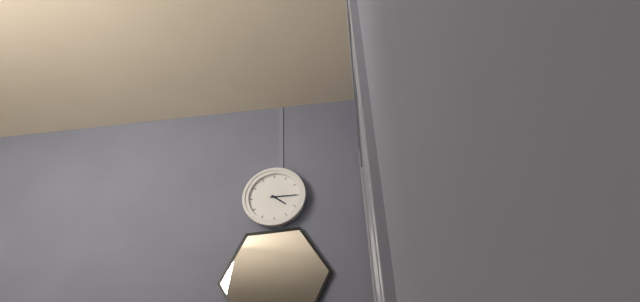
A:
4 h 15 min
